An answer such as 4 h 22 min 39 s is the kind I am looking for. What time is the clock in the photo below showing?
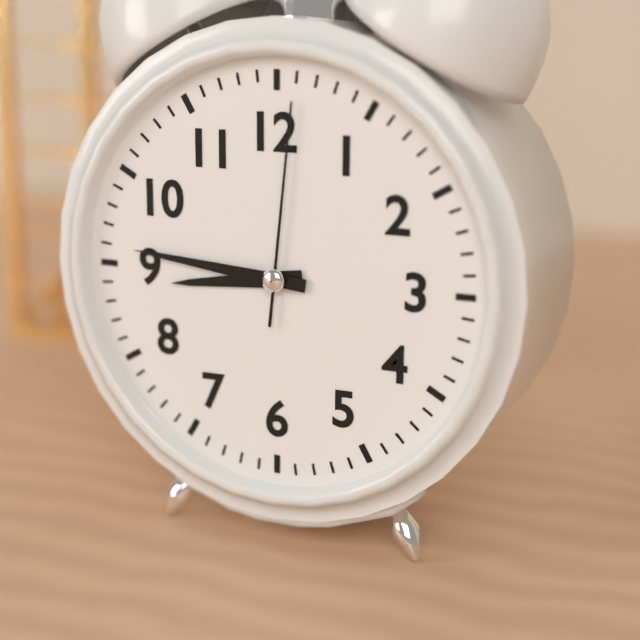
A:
8 h 46 min 01 s
